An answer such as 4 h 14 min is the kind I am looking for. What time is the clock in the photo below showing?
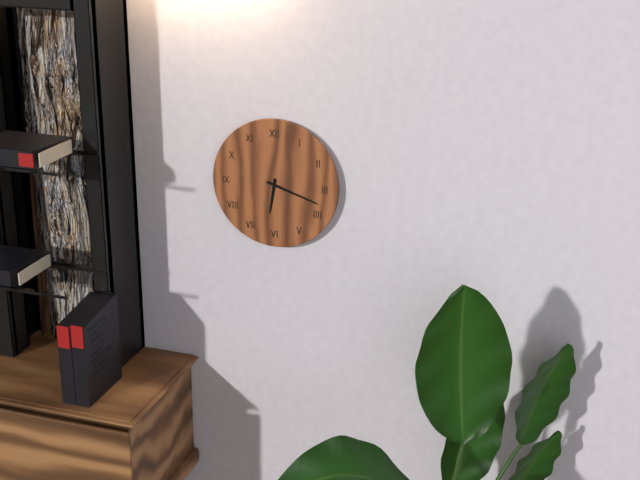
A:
6 h 18 min
